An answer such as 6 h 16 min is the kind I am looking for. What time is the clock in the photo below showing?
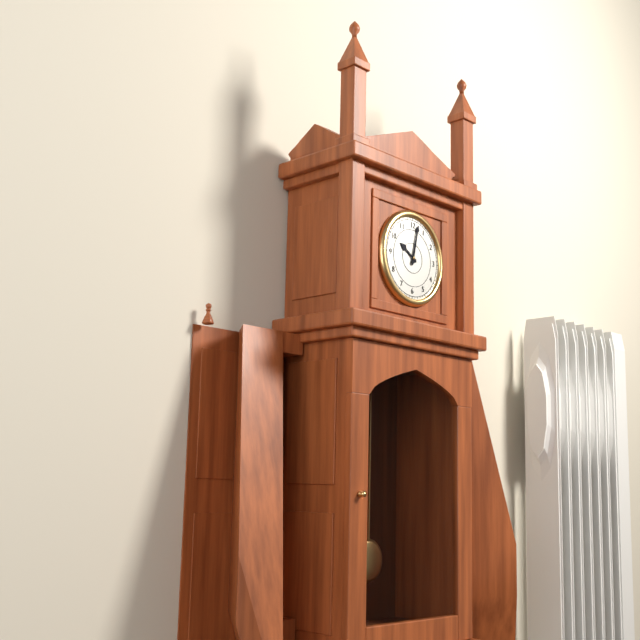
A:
10 h 02 min
